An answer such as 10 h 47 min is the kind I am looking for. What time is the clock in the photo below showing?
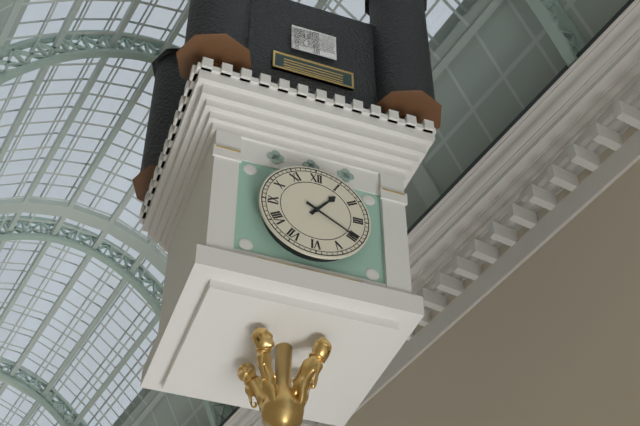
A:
1 h 20 min
